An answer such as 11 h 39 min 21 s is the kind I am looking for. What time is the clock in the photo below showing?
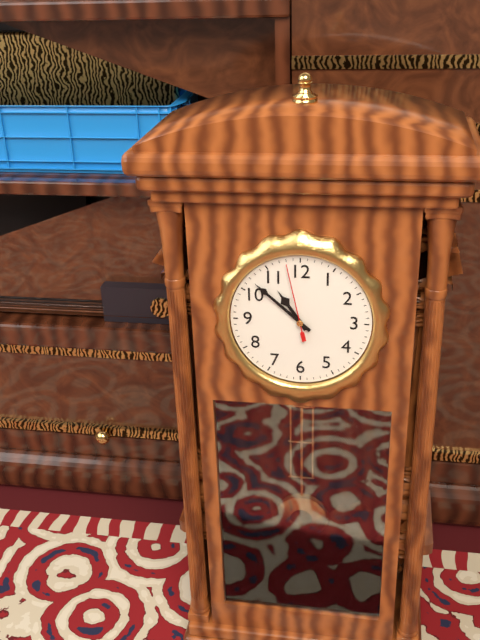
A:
10 h 52 min 58 s
